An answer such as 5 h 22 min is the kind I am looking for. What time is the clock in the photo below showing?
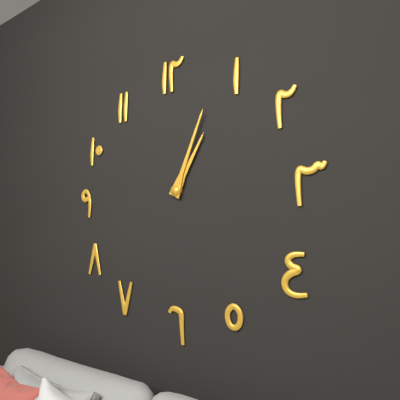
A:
1 h 04 min
